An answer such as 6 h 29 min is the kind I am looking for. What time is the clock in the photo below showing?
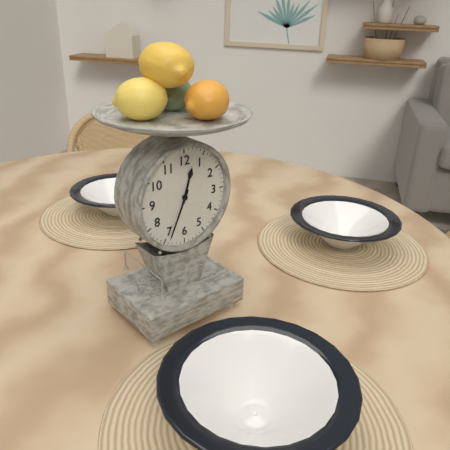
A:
12 h 34 min
